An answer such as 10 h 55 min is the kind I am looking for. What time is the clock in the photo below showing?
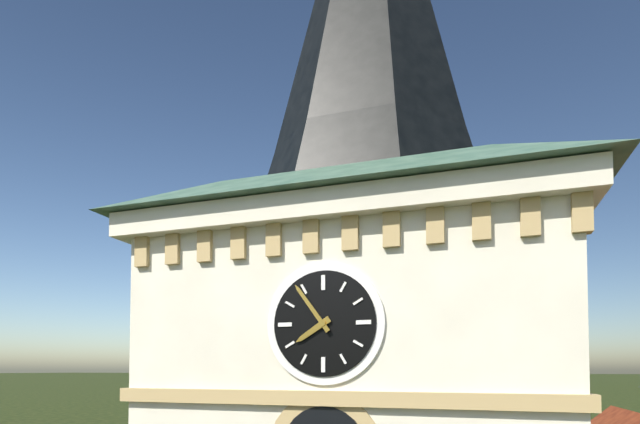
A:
7 h 54 min
